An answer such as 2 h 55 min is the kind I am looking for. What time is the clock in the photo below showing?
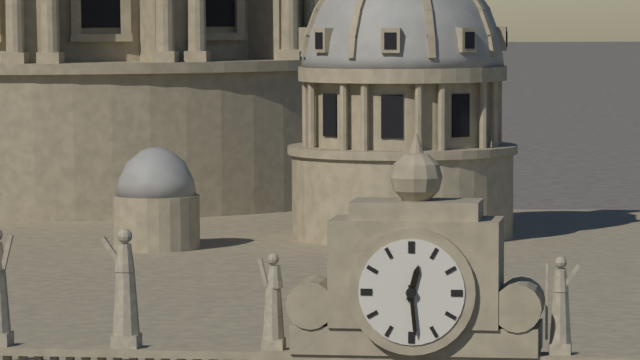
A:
12 h 29 min
